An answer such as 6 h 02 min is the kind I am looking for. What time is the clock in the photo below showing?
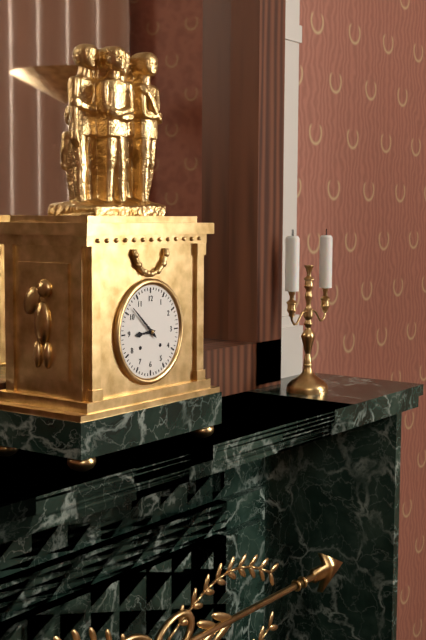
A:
8 h 52 min
